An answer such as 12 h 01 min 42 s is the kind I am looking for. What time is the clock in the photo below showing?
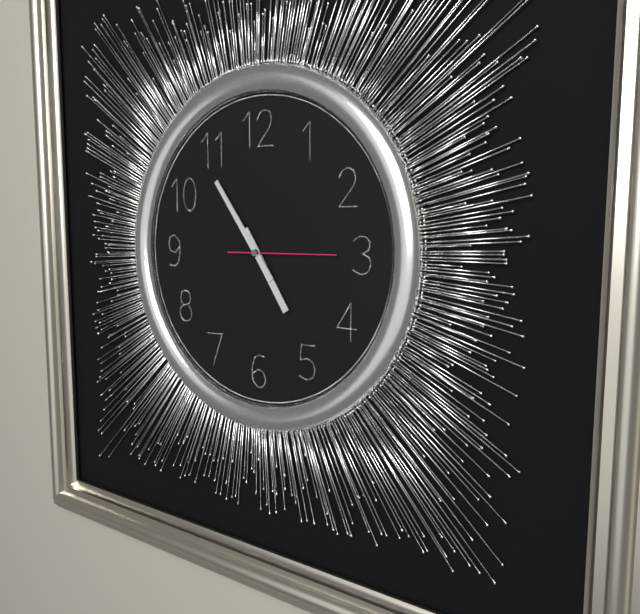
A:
4 h 54 min 15 s
